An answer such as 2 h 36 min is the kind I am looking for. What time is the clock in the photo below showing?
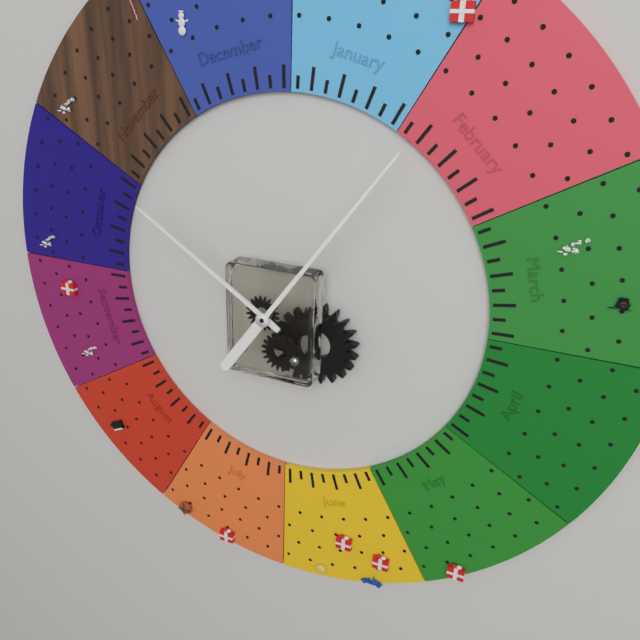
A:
10 h 06 min
